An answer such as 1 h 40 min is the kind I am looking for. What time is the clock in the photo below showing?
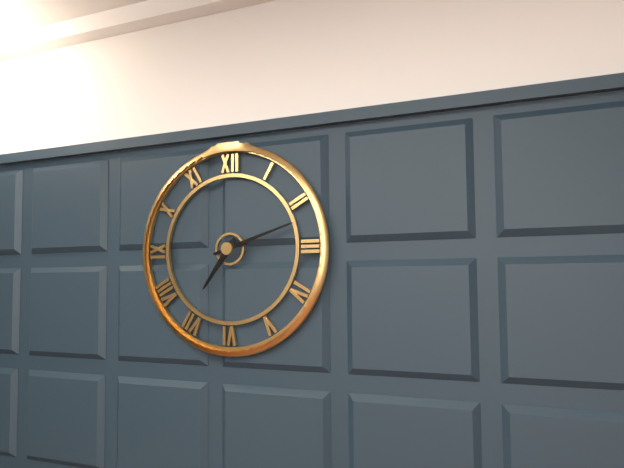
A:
7 h 12 min
